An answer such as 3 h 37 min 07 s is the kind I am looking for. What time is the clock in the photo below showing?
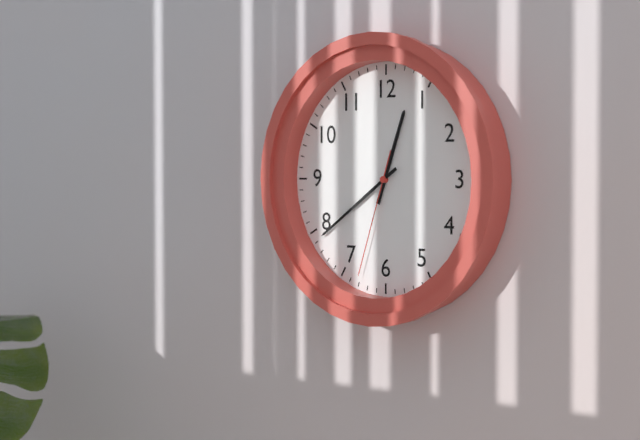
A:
12 h 39 min 33 s
